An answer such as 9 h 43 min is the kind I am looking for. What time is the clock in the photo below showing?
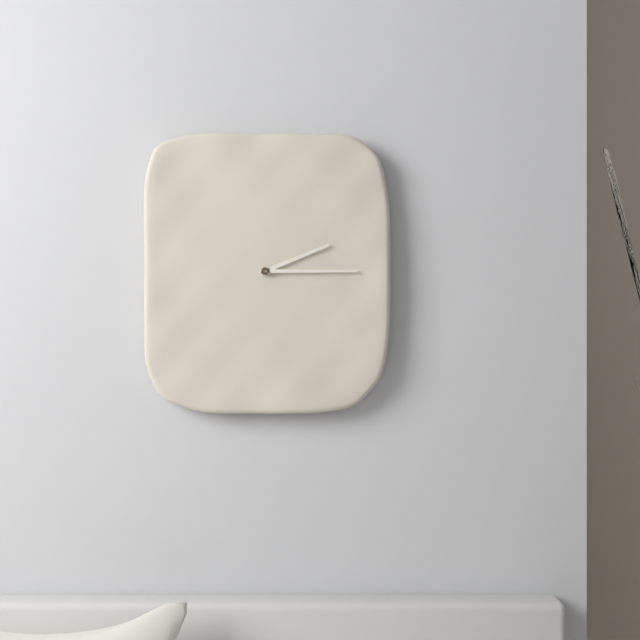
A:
2 h 15 min
